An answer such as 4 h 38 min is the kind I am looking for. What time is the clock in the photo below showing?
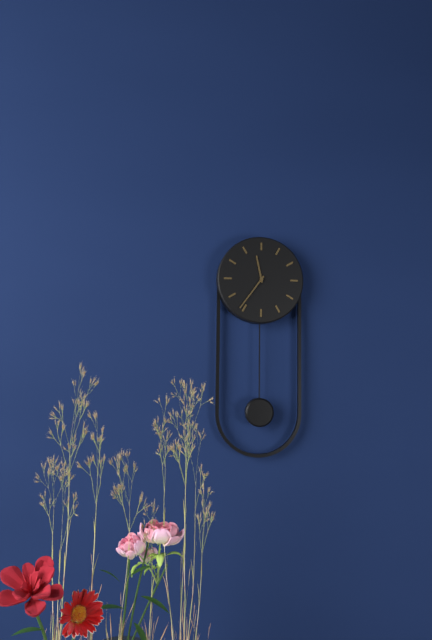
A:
11 h 36 min
